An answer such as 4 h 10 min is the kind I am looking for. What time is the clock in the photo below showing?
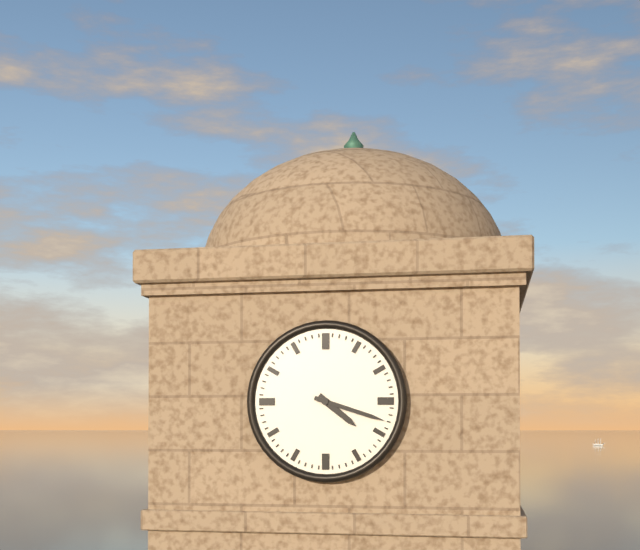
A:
4 h 18 min
